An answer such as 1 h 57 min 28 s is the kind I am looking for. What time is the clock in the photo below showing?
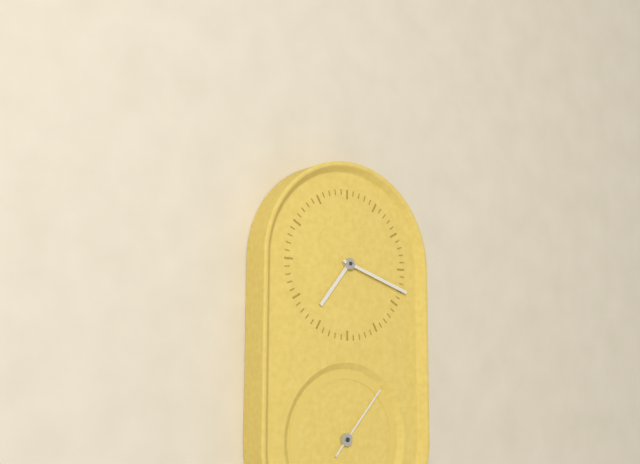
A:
7 h 18 min 07 s
